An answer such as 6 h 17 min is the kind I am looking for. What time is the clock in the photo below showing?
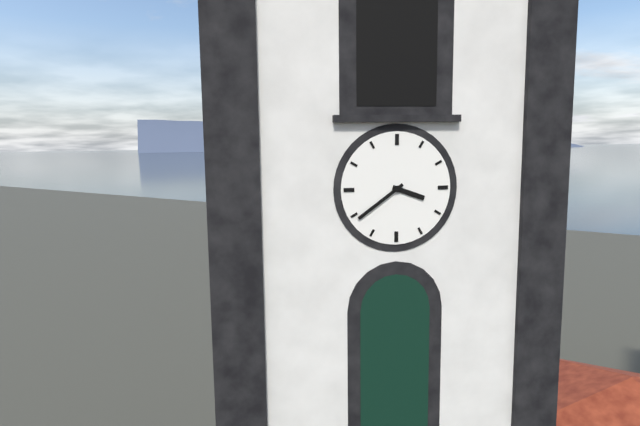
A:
3 h 39 min
